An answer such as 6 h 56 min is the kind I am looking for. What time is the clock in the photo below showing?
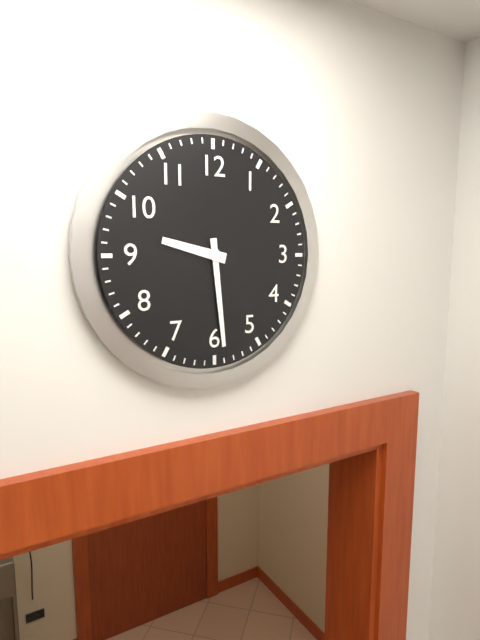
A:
9 h 29 min
